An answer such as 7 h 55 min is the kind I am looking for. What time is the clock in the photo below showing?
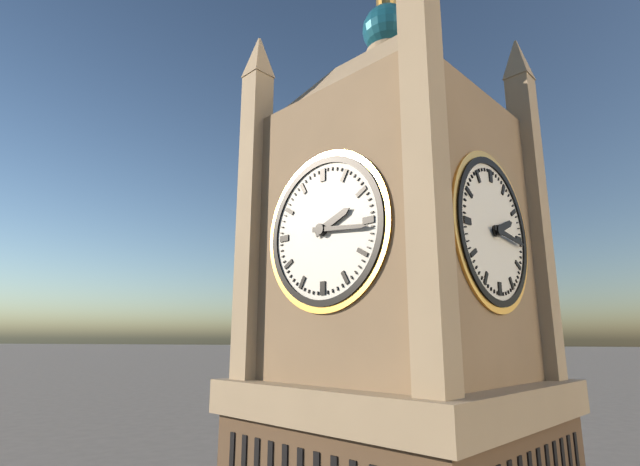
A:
2 h 16 min
